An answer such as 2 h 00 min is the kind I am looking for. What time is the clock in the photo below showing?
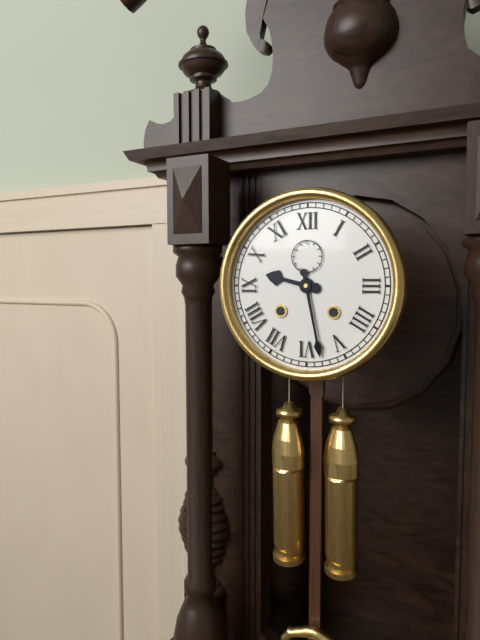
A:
9 h 28 min
